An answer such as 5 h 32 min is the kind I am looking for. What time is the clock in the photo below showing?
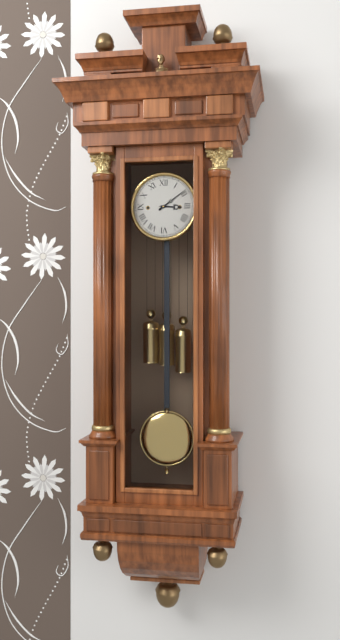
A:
3 h 09 min
